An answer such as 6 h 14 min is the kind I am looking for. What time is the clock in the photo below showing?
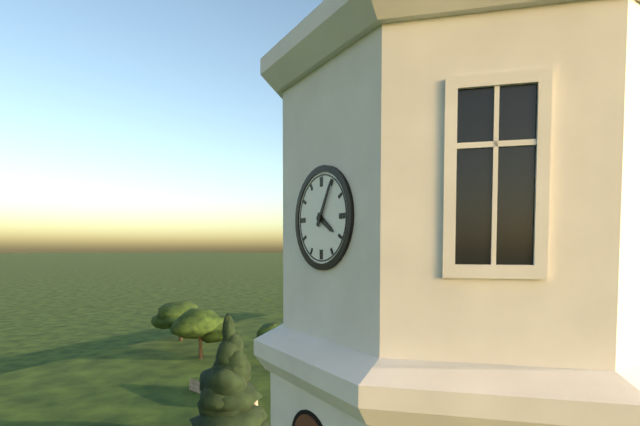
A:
4 h 05 min
